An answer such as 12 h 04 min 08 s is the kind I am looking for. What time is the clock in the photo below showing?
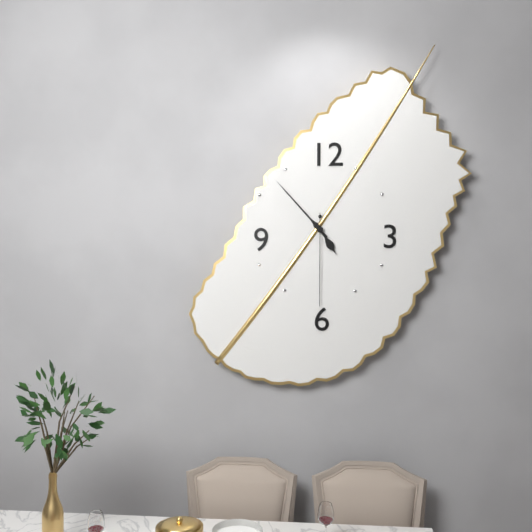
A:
4 h 53 min 30 s
